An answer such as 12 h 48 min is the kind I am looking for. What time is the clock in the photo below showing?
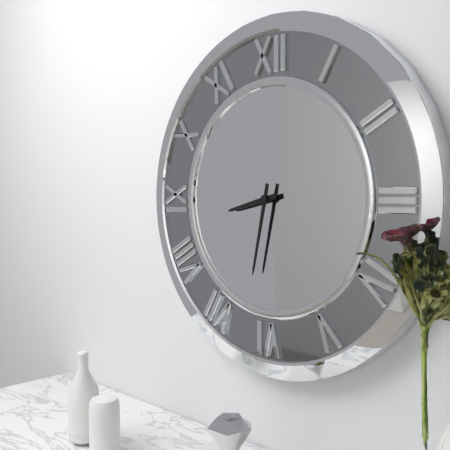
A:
8 h 32 min
